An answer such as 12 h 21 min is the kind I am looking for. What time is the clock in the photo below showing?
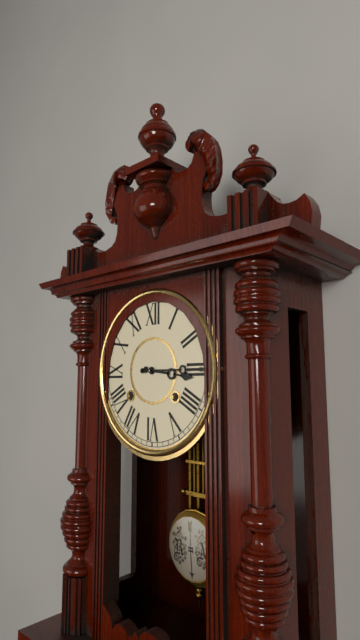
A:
3 h 15 min
